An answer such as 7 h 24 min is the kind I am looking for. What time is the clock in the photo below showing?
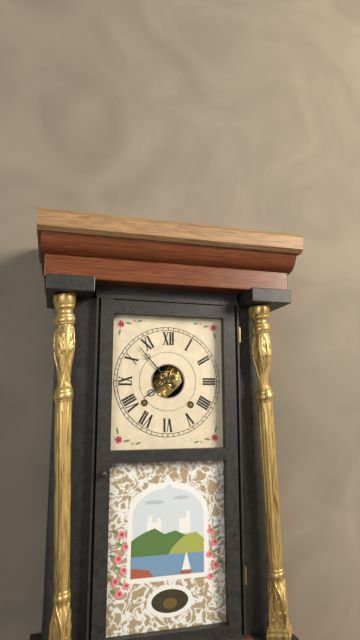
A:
7 h 53 min
